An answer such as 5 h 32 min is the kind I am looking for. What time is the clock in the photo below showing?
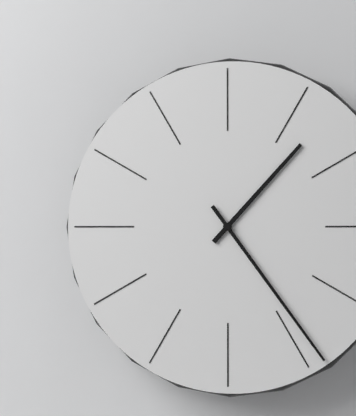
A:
1 h 24 min
